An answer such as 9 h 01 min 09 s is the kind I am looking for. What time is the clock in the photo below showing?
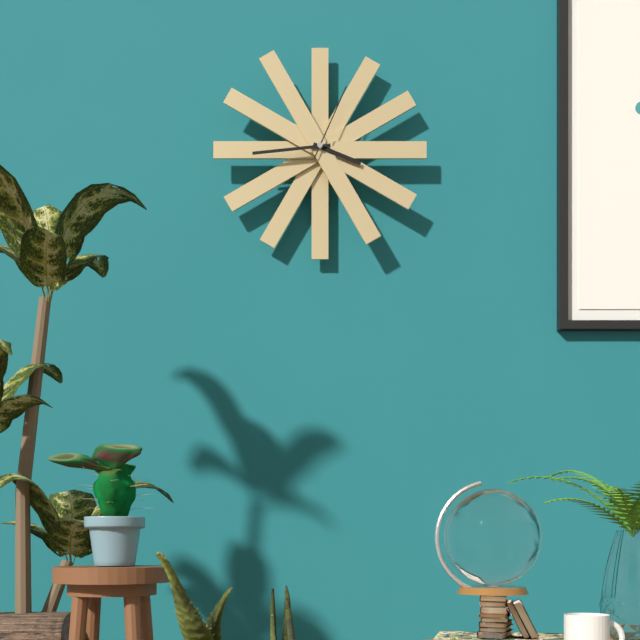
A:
3 h 44 min 04 s
